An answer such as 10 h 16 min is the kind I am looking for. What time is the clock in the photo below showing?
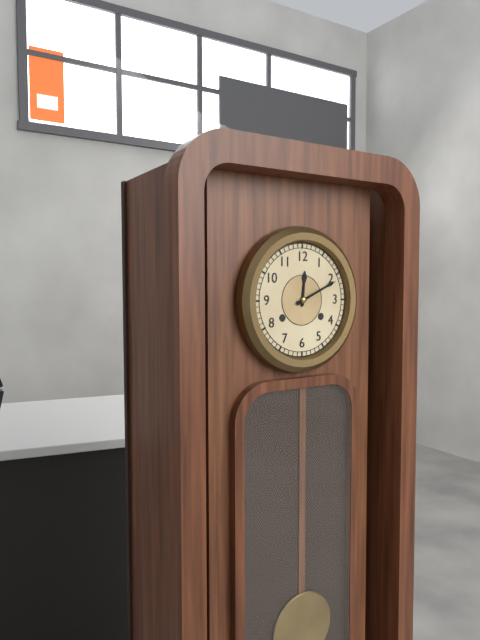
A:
12 h 11 min
